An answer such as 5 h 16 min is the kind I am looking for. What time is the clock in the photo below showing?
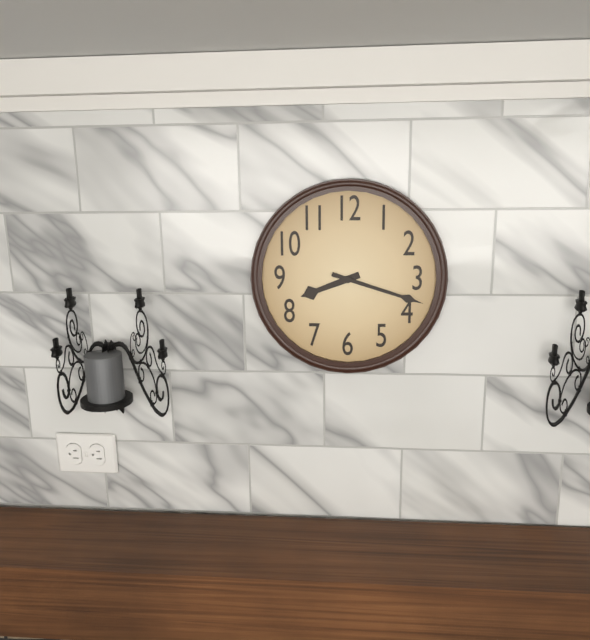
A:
8 h 18 min
